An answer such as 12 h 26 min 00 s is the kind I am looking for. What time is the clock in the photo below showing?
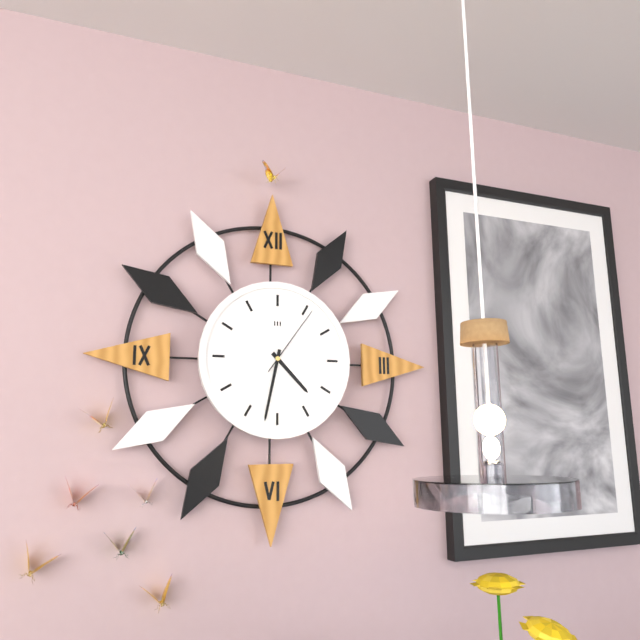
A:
4 h 32 min 06 s
